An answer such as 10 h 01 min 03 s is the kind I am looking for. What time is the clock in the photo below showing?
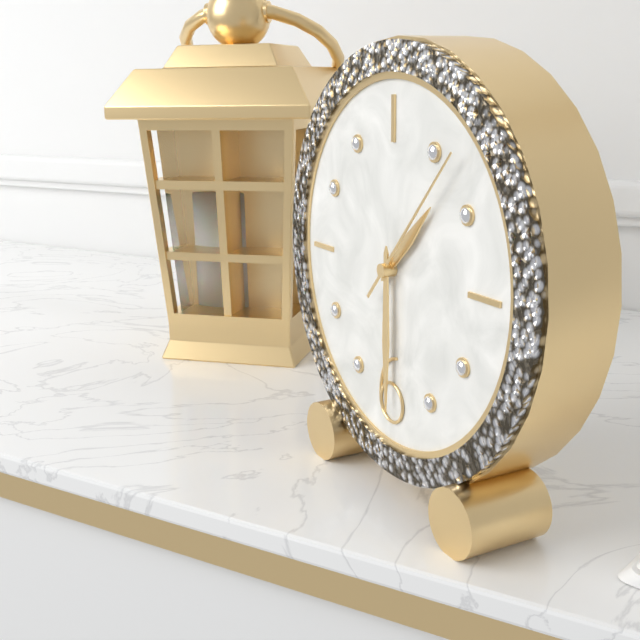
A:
1 h 30 min 07 s
